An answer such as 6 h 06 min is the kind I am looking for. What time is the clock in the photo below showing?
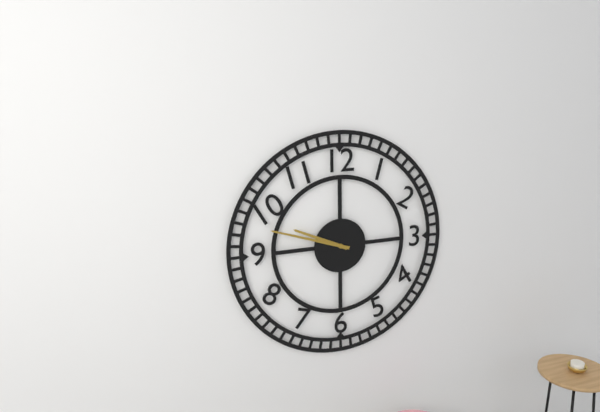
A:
9 h 48 min
